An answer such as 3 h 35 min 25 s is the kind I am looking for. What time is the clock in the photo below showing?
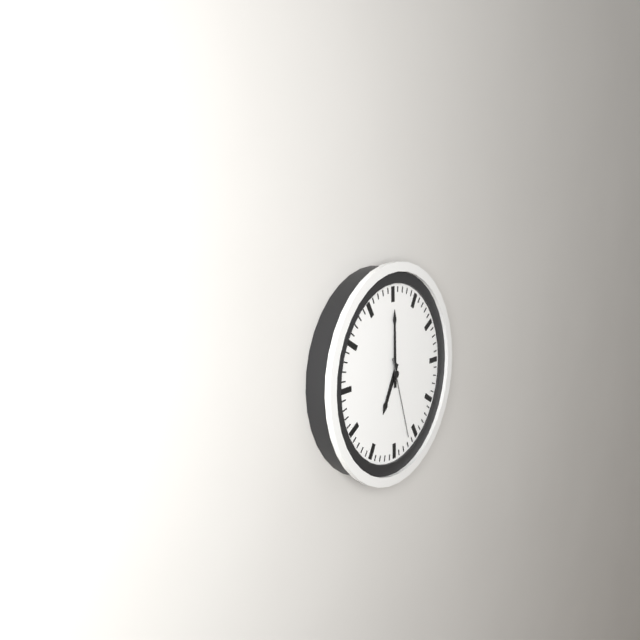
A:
7 h 00 min 27 s
